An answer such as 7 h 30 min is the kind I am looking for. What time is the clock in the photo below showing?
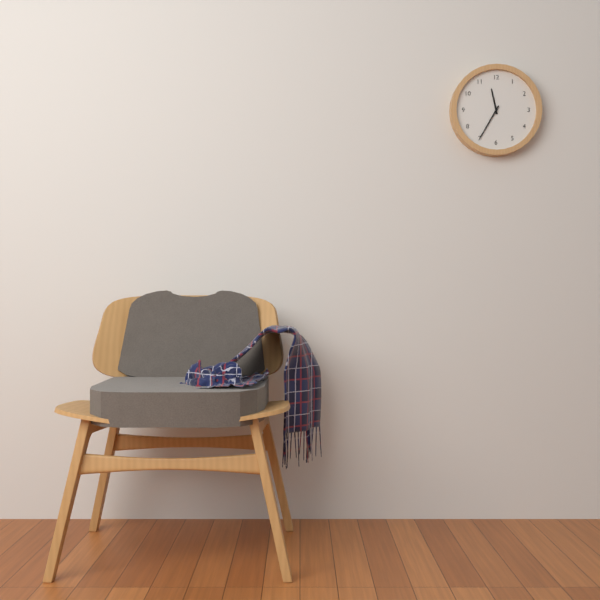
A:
11 h 35 min
